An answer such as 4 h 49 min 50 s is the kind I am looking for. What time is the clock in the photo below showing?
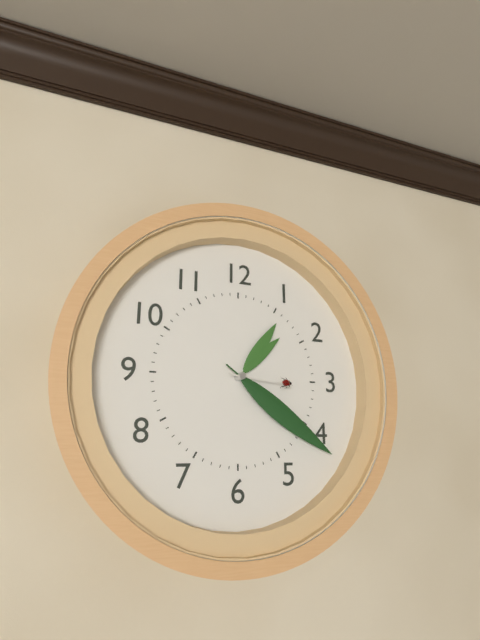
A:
1 h 21 min 16 s
